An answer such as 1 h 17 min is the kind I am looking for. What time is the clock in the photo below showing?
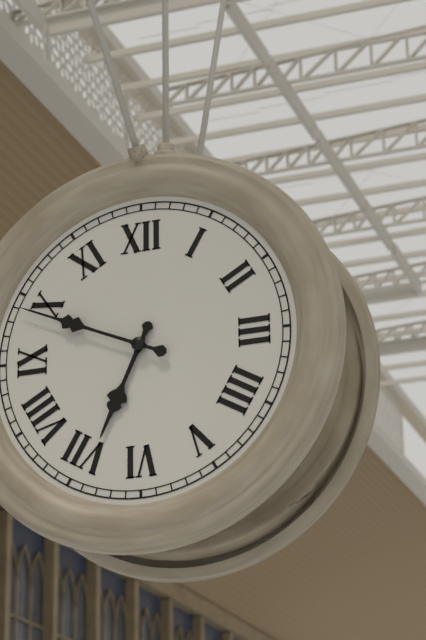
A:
6 h 49 min
